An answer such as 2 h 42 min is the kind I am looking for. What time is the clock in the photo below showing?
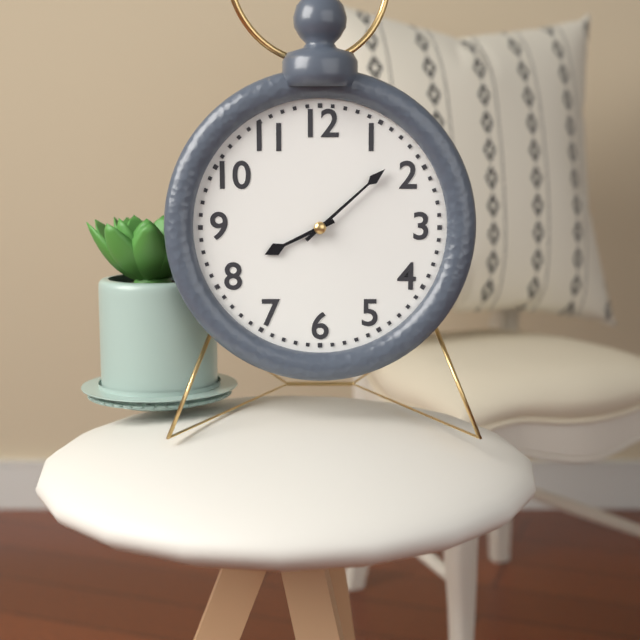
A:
8 h 08 min
